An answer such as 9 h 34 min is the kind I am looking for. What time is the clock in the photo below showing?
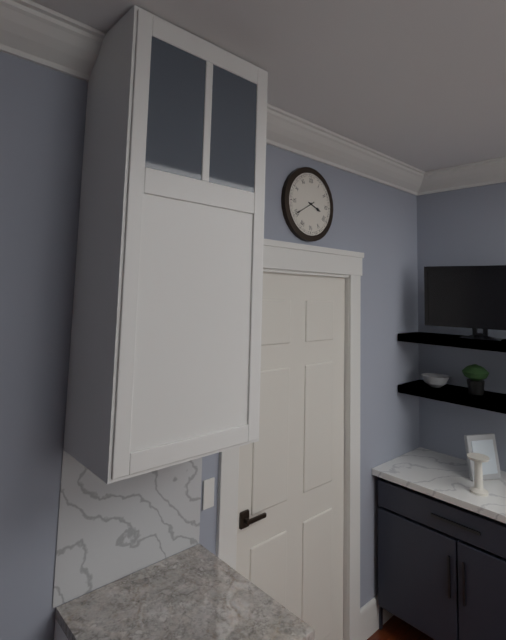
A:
3 h 40 min
